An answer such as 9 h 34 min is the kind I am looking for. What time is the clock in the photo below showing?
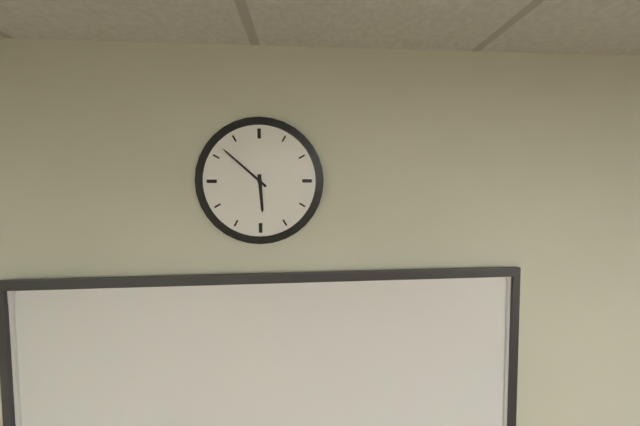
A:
5 h 52 min
